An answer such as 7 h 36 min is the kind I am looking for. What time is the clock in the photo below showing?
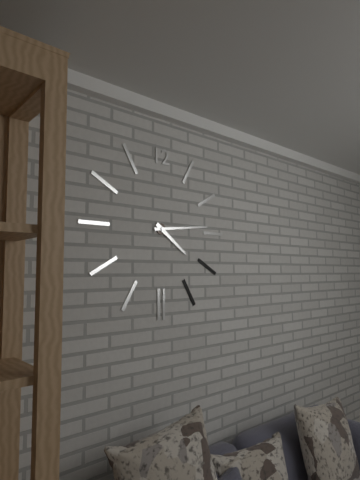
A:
4 h 14 min
